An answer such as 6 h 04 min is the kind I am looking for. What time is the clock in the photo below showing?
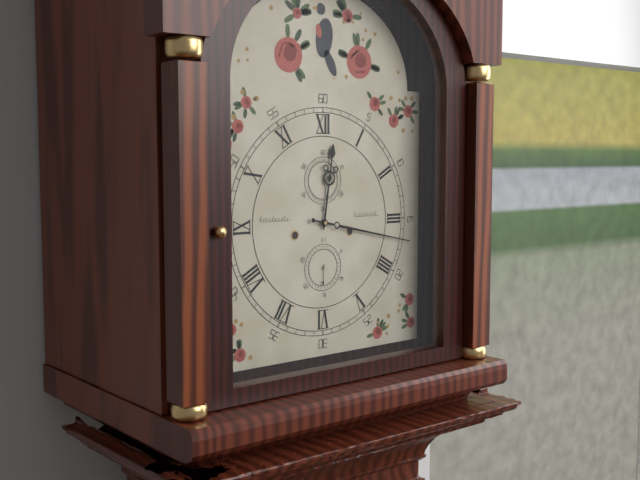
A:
12 h 17 min
